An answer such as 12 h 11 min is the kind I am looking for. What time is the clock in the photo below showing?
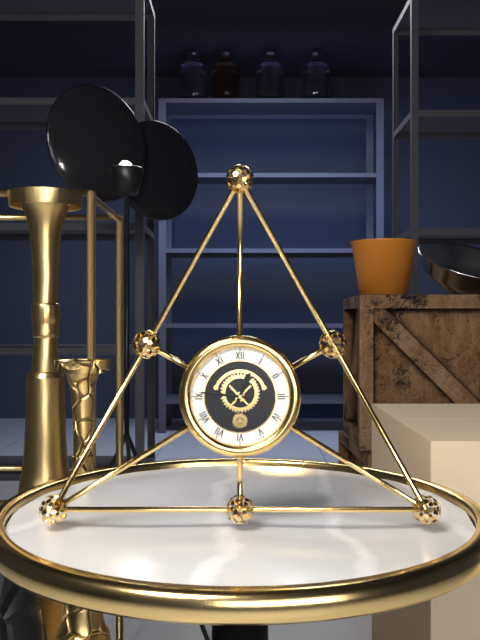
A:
12 h 46 min
